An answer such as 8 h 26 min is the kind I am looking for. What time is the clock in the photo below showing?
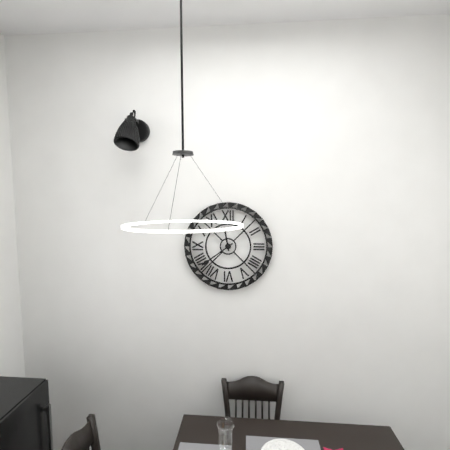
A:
11 h 39 min
